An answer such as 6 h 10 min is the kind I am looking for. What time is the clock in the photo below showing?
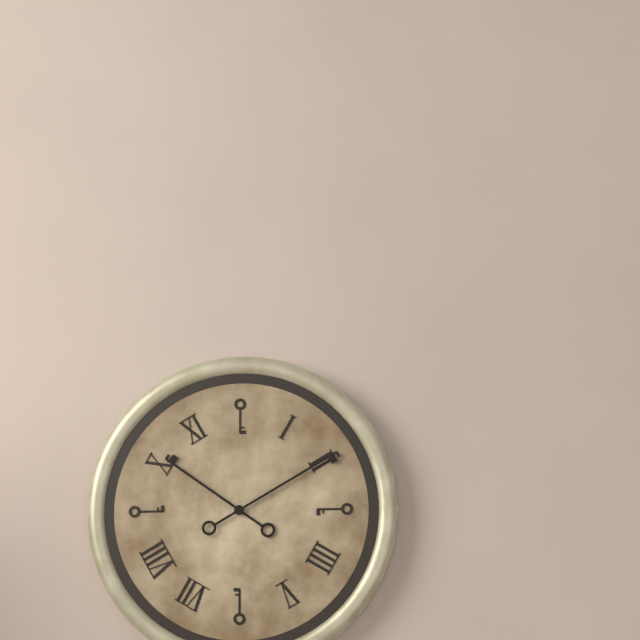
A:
10 h 10 min
